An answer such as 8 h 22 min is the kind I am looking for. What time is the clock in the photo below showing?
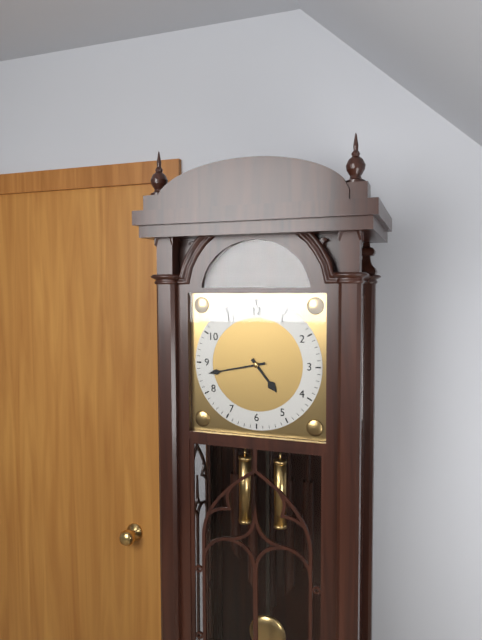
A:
4 h 43 min
